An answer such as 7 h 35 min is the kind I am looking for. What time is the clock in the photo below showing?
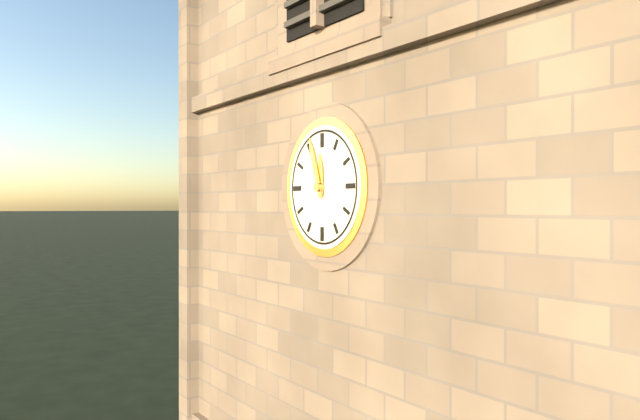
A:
11 h 57 min
